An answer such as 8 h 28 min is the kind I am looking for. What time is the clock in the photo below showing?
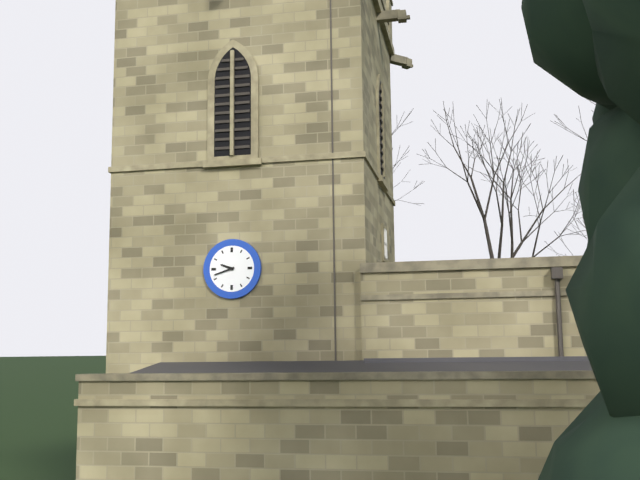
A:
9 h 42 min
